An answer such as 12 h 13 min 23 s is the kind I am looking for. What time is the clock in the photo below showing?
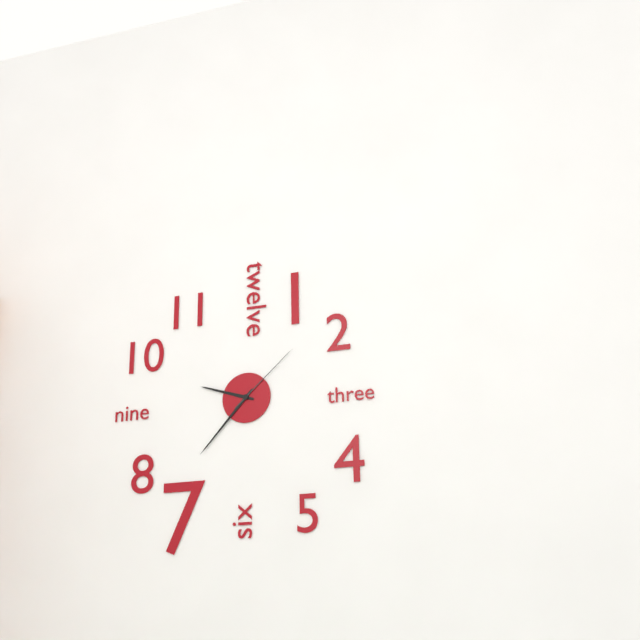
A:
9 h 37 min 08 s
